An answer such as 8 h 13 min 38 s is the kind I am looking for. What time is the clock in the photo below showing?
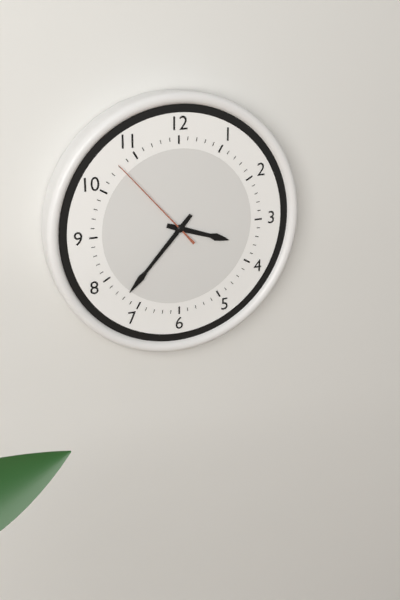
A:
3 h 37 min 53 s
